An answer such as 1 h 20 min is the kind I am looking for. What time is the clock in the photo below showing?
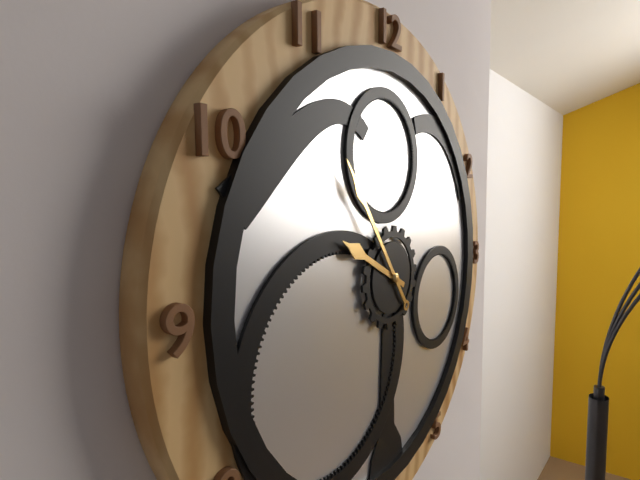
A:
9 h 54 min
